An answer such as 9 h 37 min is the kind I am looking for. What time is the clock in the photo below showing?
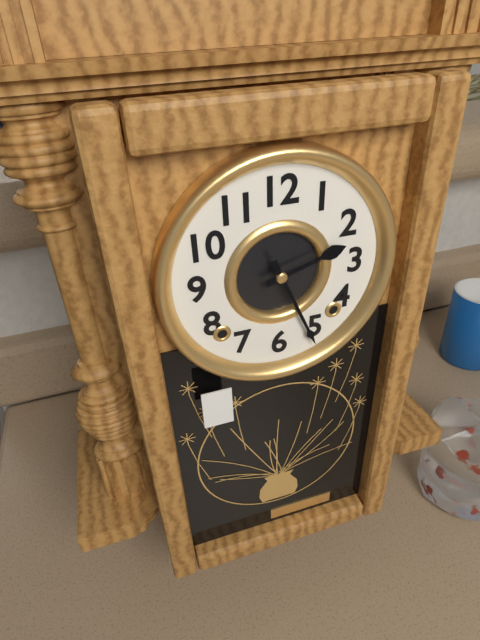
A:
2 h 26 min
